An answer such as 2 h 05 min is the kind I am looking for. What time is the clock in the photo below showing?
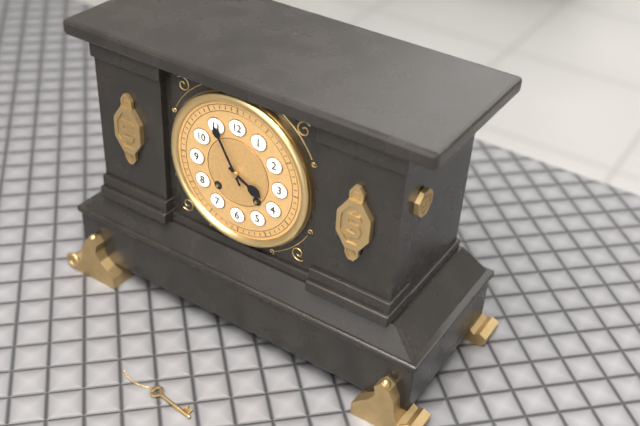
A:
3 h 55 min
